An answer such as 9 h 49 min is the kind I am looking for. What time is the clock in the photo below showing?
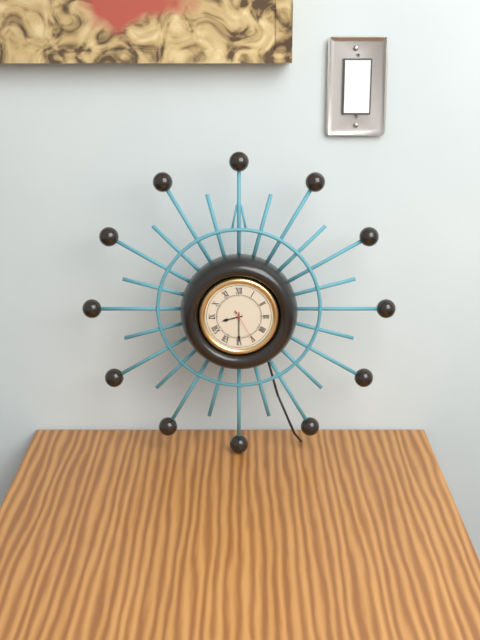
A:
8 h 30 min
